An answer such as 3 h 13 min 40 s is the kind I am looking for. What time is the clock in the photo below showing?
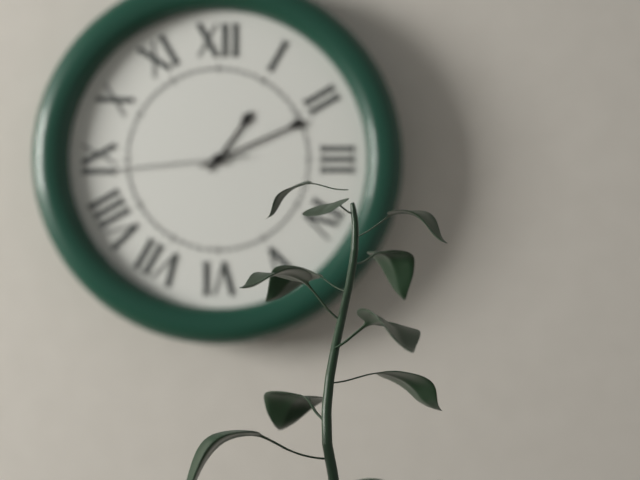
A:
1 h 11 min 44 s
